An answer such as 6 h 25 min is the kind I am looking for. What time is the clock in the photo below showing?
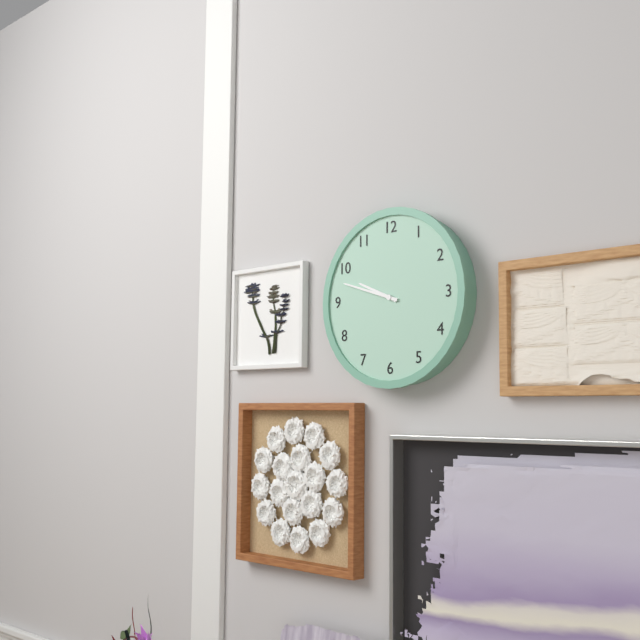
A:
9 h 48 min
